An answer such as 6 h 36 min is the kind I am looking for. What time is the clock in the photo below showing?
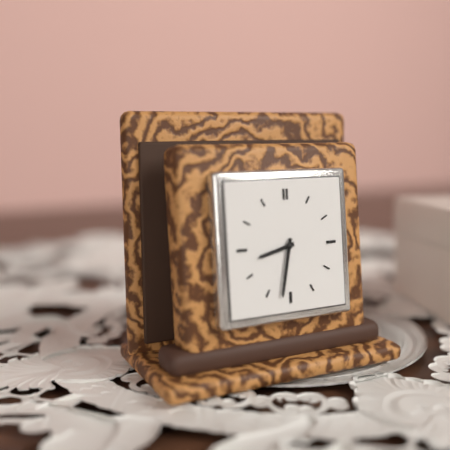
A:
8 h 32 min
